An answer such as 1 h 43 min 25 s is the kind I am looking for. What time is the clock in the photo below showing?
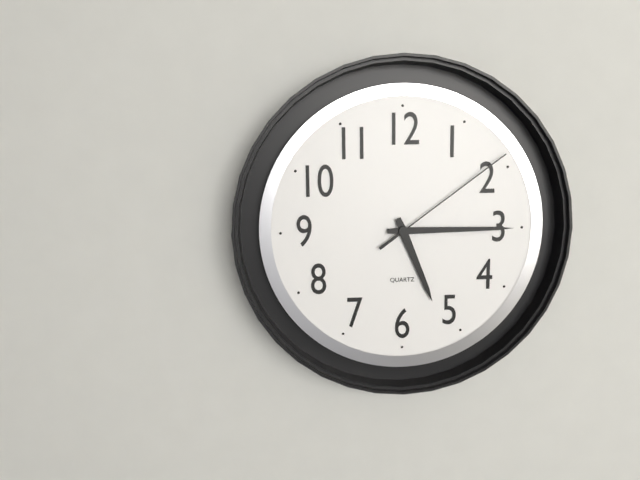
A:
5 h 15 min 09 s
